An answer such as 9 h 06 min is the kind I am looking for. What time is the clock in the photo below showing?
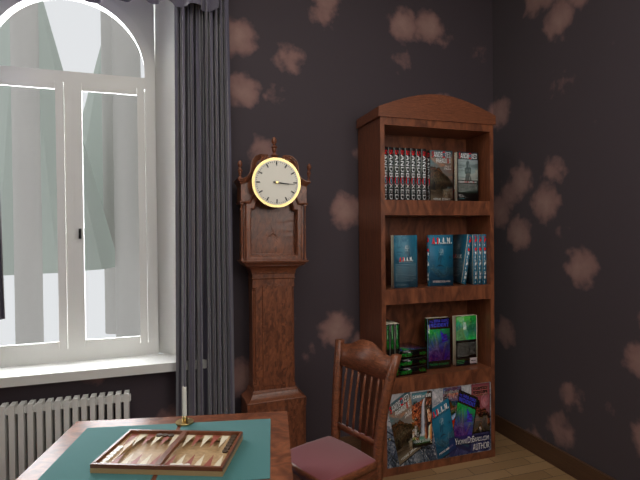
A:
3 h 16 min
